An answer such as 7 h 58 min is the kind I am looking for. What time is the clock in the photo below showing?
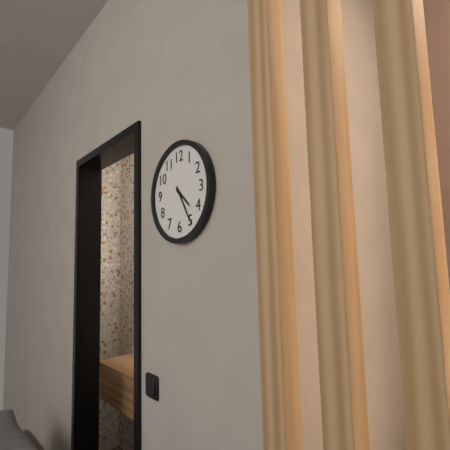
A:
4 h 25 min
